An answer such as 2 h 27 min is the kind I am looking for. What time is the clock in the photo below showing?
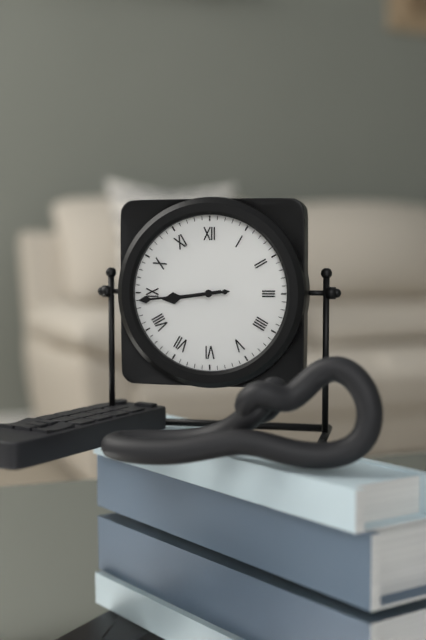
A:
8 h 44 min
